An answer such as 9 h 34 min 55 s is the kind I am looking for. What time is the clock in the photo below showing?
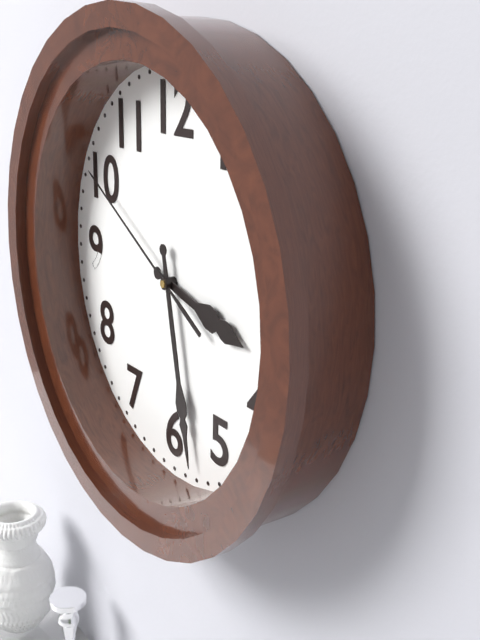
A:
3 h 28 min 50 s
